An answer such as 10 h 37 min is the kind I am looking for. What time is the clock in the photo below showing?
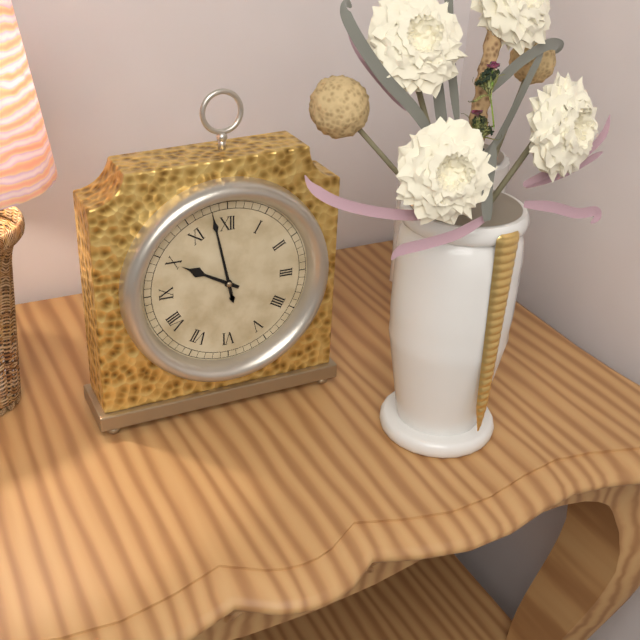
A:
9 h 58 min
